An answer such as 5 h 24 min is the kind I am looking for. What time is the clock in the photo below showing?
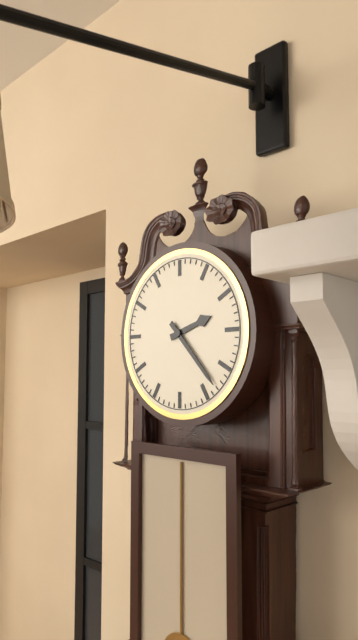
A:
2 h 23 min
